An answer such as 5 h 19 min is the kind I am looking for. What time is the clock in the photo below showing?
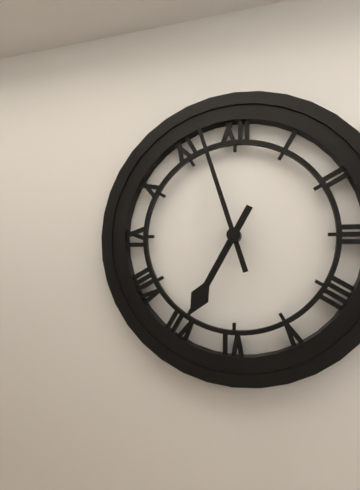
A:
6 h 57 min
